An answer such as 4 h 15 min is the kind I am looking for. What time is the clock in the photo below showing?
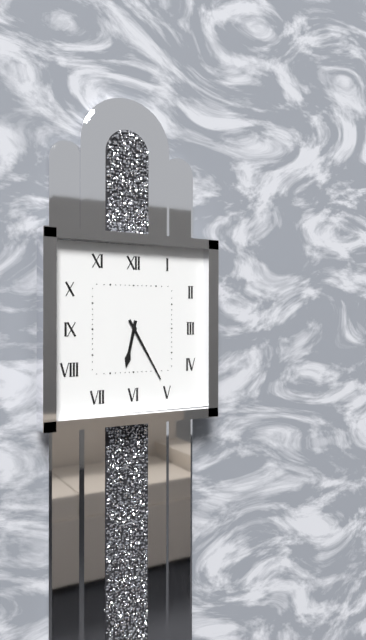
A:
6 h 25 min
